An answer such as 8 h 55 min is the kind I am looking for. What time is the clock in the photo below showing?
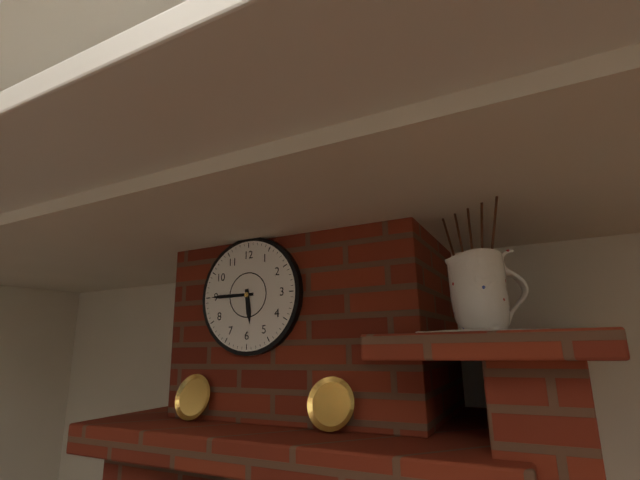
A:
5 h 45 min
